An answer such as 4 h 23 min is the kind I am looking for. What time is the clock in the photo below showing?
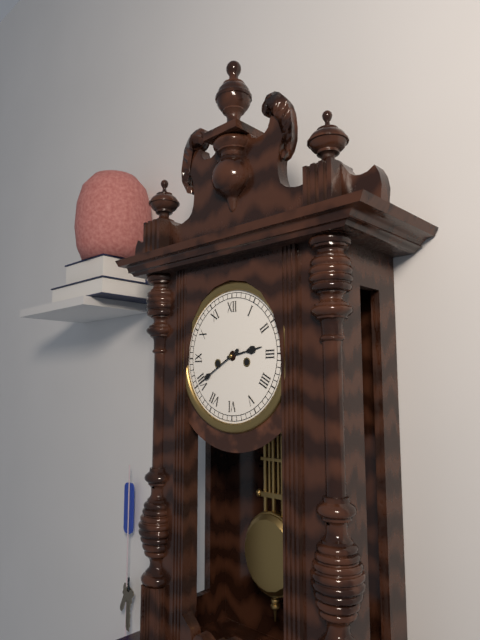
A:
2 h 40 min
